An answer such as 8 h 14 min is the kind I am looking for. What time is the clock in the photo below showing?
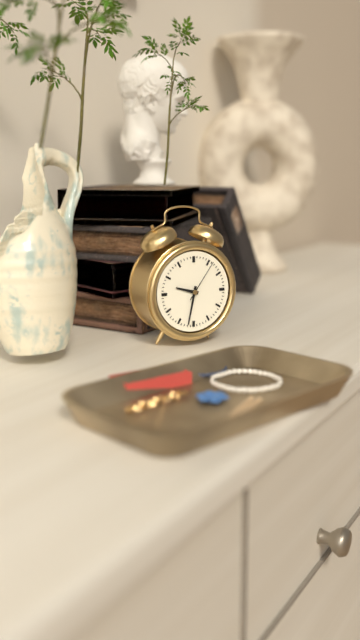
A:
9 h 32 min
